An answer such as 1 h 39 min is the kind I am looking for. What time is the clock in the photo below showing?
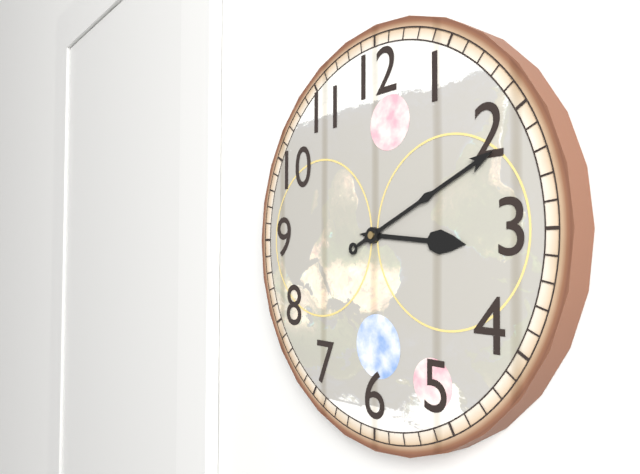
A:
3 h 11 min
